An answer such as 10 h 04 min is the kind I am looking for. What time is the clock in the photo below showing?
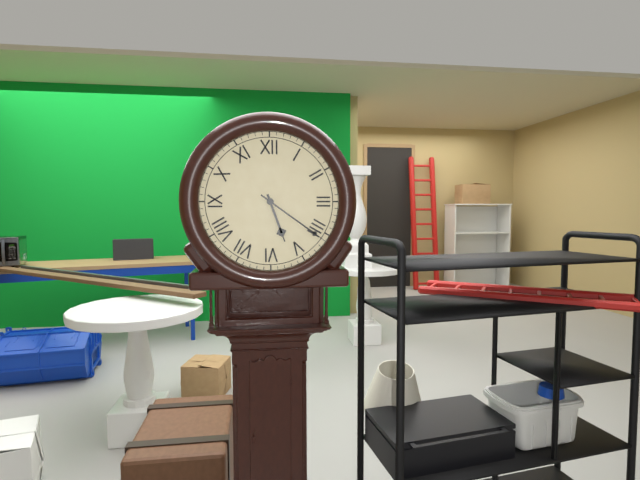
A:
5 h 21 min
